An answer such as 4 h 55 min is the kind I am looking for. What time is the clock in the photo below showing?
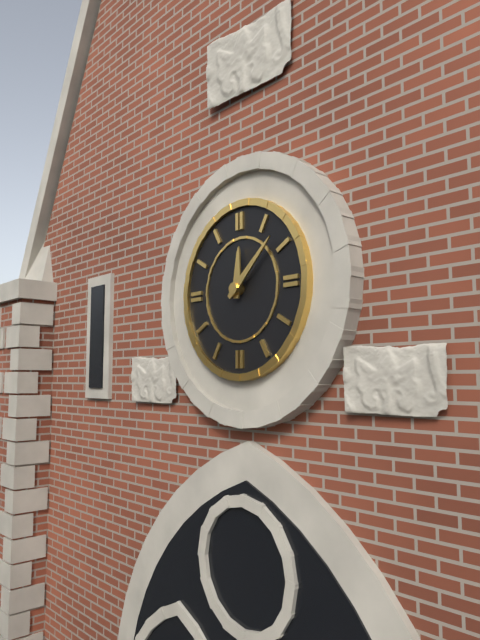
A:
12 h 08 min
